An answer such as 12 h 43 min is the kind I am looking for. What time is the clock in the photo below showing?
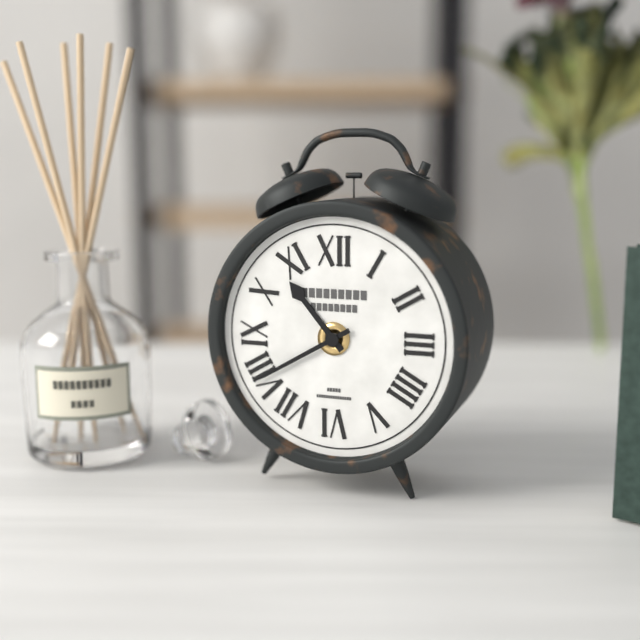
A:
10 h 40 min
